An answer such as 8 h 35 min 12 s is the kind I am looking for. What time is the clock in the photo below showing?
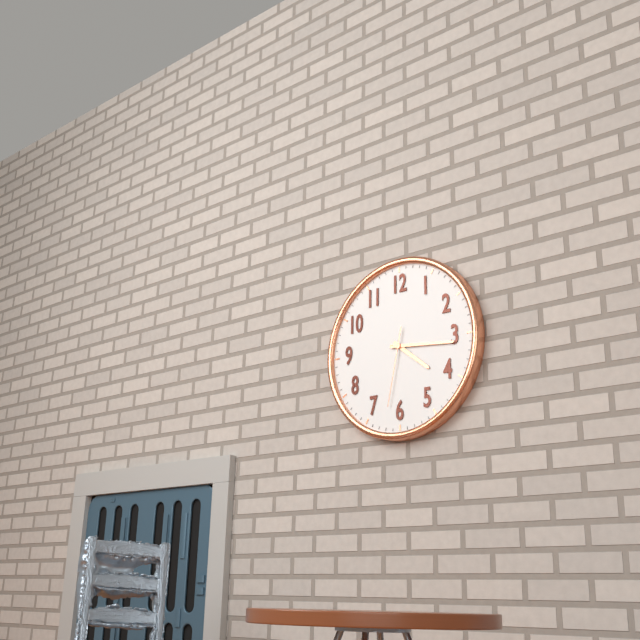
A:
4 h 16 min 32 s
